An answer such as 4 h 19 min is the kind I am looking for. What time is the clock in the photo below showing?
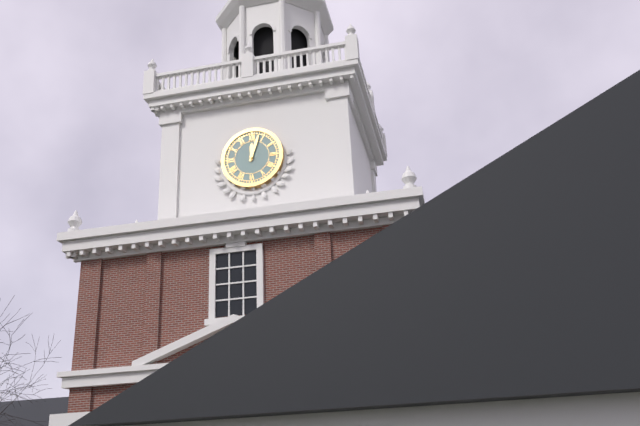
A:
12 h 03 min
